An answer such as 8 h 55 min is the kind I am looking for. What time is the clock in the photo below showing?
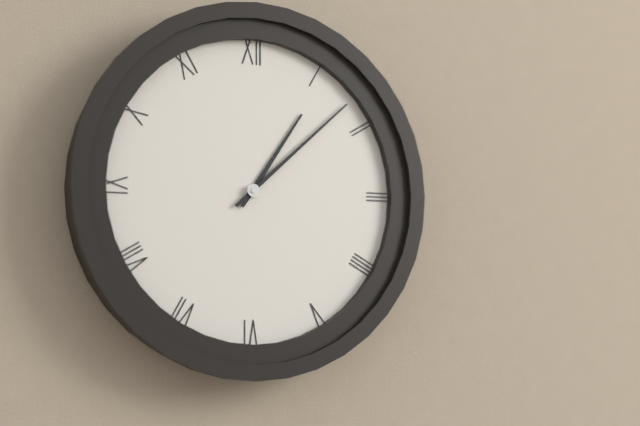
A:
1 h 08 min
